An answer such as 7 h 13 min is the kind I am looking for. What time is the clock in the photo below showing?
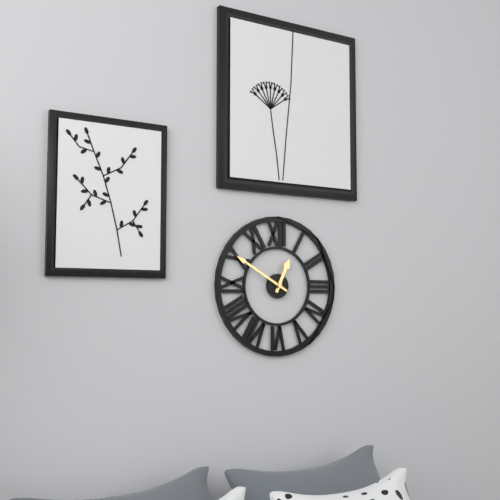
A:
12 h 50 min
